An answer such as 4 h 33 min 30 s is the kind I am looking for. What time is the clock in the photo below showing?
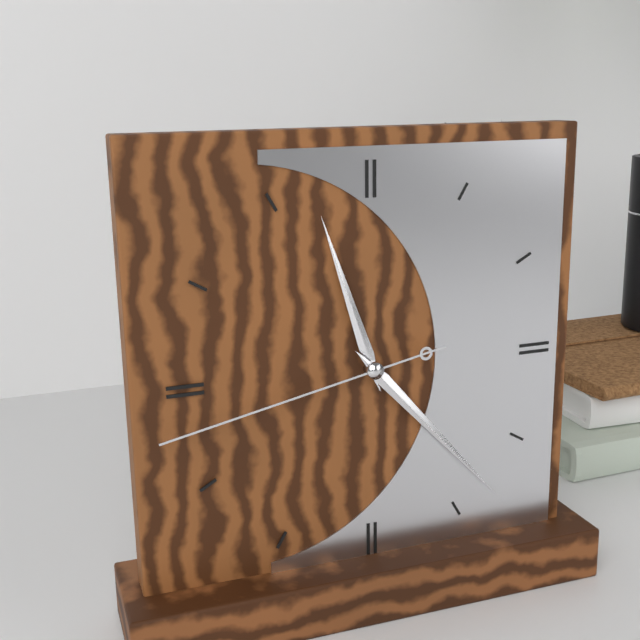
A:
11 h 23 min 43 s
